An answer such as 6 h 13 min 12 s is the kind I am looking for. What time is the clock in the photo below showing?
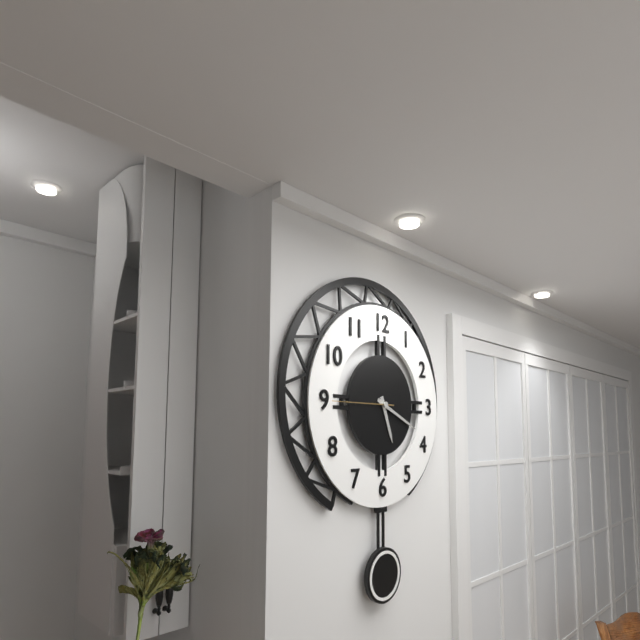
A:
5 h 19 min 45 s
